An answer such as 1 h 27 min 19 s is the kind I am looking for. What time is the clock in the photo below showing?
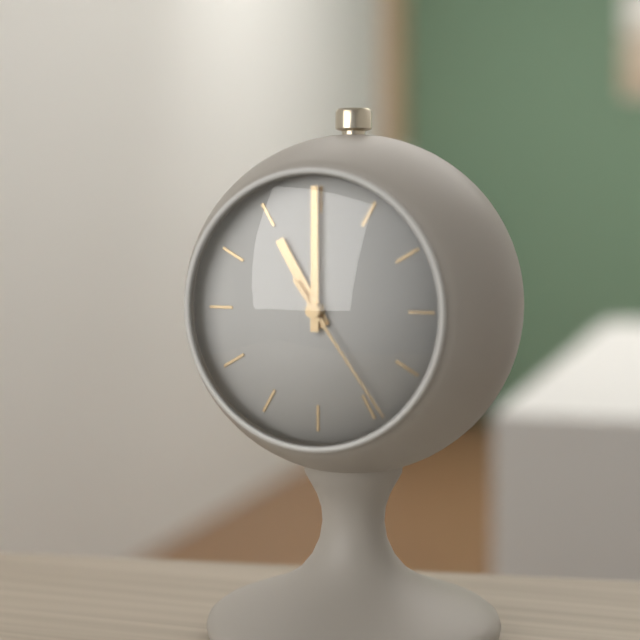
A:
11 h 00 min 24 s
